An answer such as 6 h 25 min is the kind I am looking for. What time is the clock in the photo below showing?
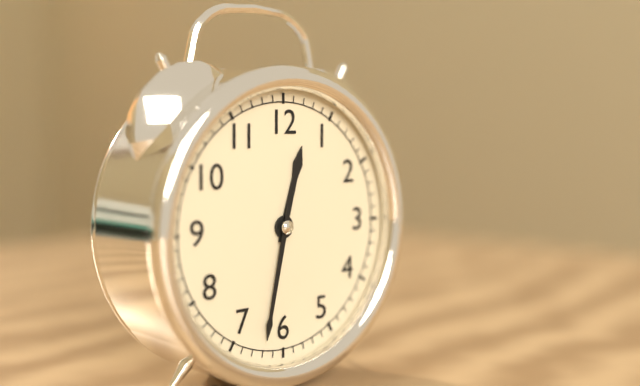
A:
12 h 32 min
